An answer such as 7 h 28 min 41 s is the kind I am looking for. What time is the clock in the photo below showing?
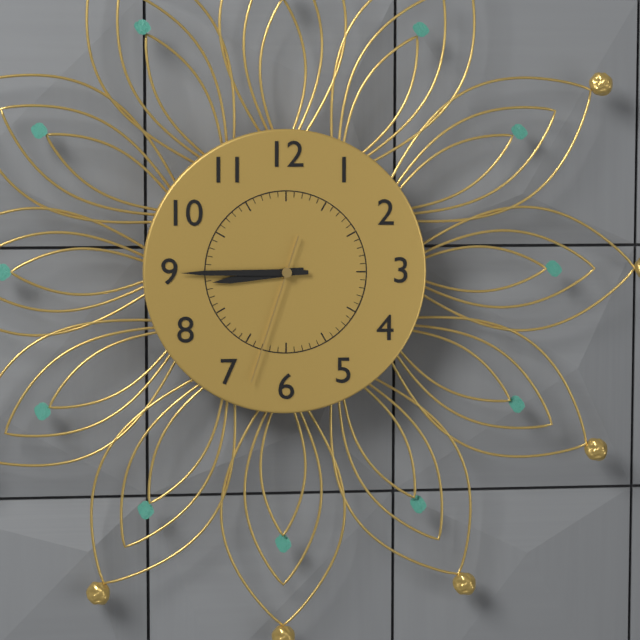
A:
8 h 45 min 33 s
